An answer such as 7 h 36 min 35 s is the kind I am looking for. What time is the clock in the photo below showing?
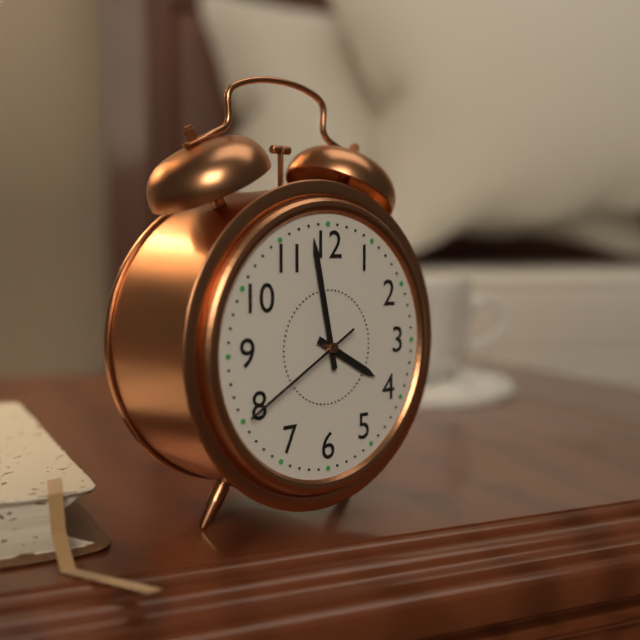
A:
3 h 58 min 40 s
